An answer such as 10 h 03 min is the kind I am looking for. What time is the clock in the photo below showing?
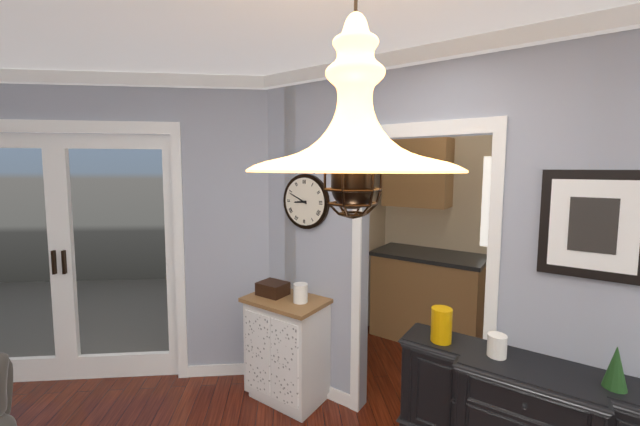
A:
8 h 49 min
